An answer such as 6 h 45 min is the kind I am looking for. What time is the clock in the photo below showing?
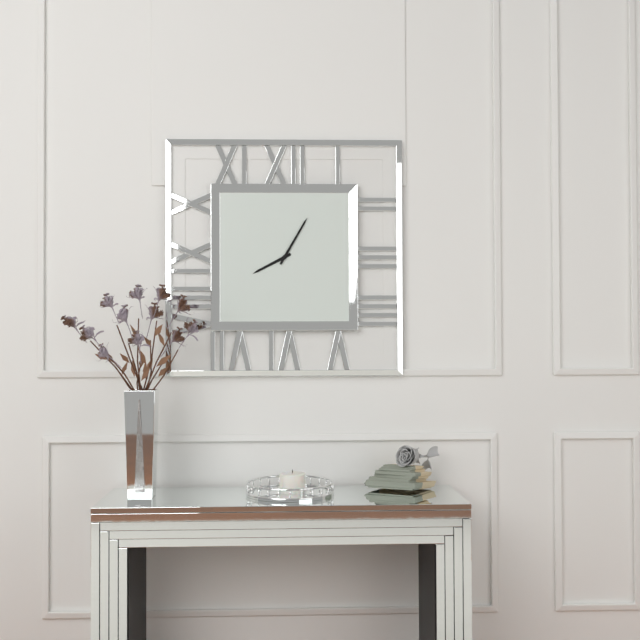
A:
8 h 05 min
